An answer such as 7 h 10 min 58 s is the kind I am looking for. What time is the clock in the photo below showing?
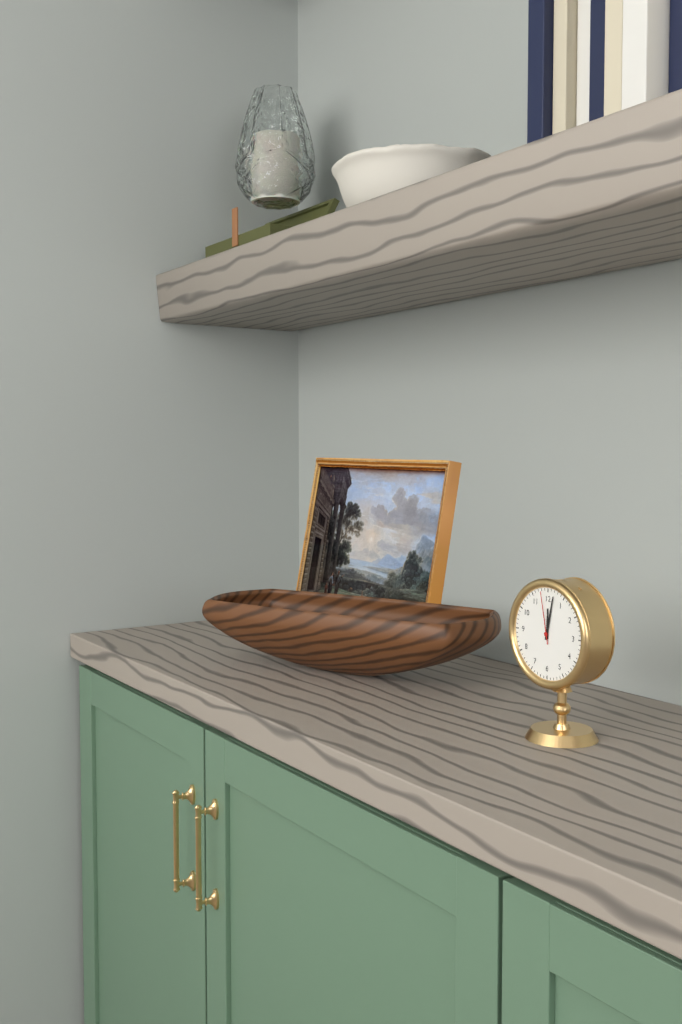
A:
12 h 02 min 58 s
